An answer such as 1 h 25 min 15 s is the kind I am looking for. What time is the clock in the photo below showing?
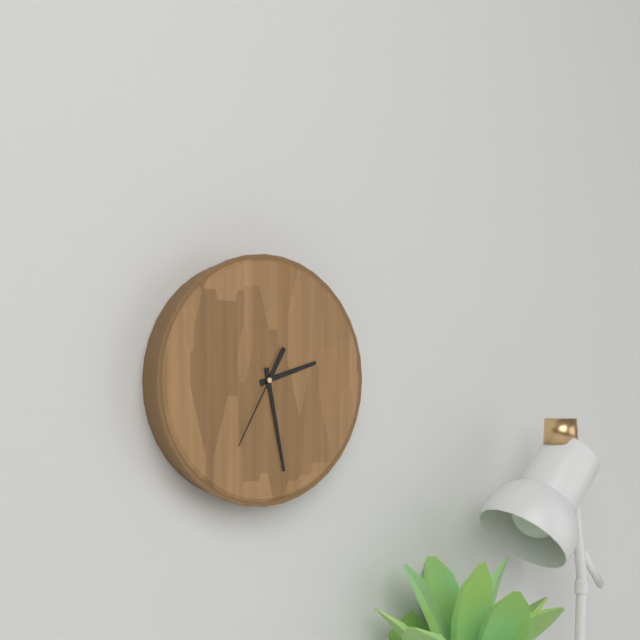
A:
2 h 28 min 35 s
